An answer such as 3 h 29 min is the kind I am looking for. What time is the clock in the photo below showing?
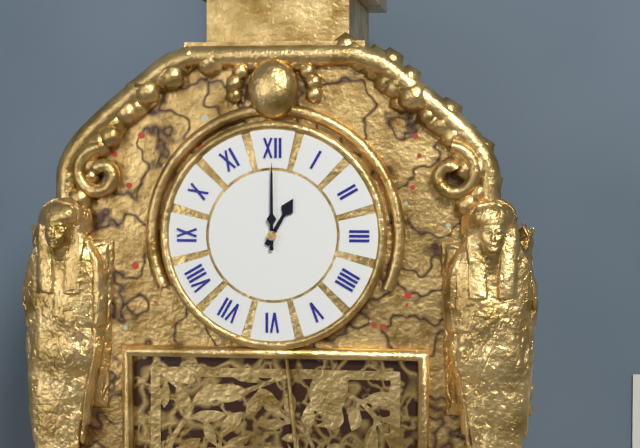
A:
1 h 00 min
